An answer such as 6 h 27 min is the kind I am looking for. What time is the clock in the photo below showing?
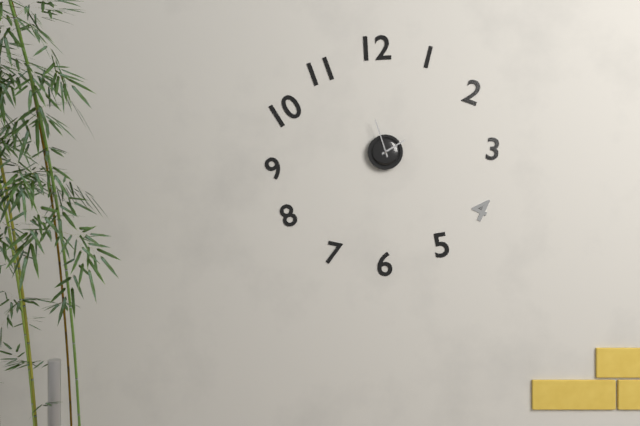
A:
1 h 57 min
